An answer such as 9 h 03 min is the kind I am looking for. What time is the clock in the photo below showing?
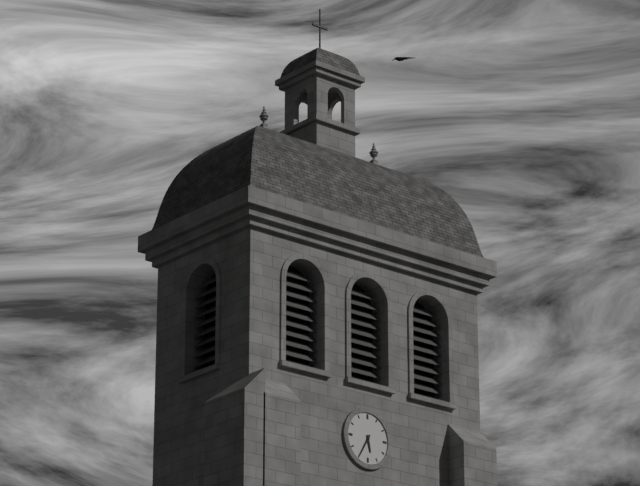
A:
5 h 35 min
